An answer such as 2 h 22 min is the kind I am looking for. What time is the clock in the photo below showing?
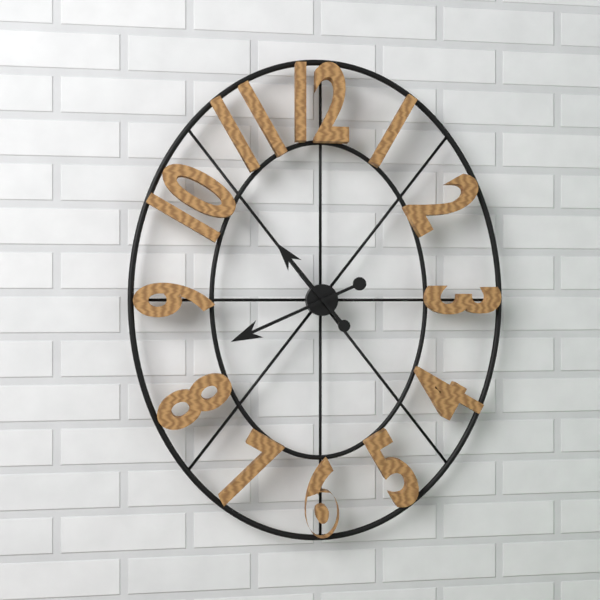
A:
10 h 41 min
